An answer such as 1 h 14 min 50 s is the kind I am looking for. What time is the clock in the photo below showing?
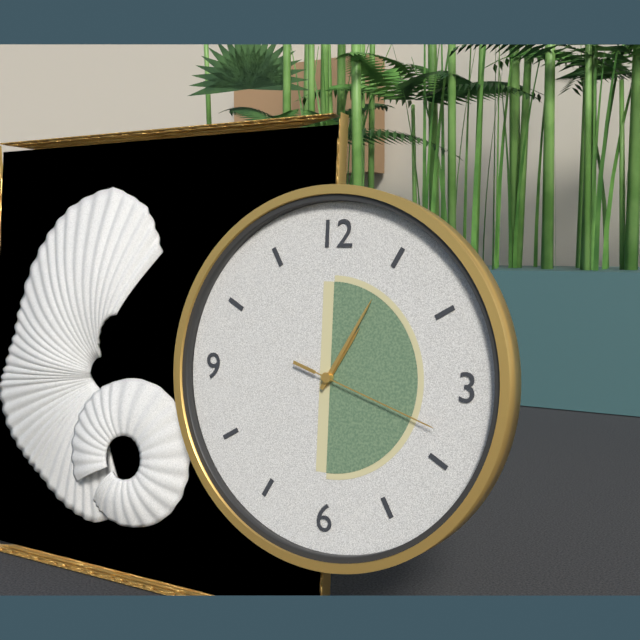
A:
1 h 05 min 18 s
